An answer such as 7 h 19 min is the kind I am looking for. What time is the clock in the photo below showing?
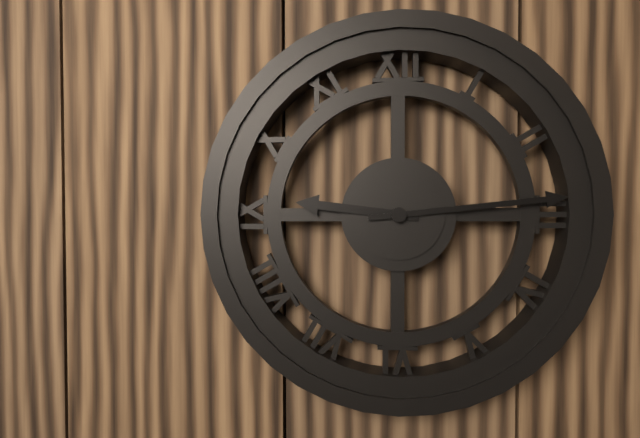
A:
9 h 14 min
